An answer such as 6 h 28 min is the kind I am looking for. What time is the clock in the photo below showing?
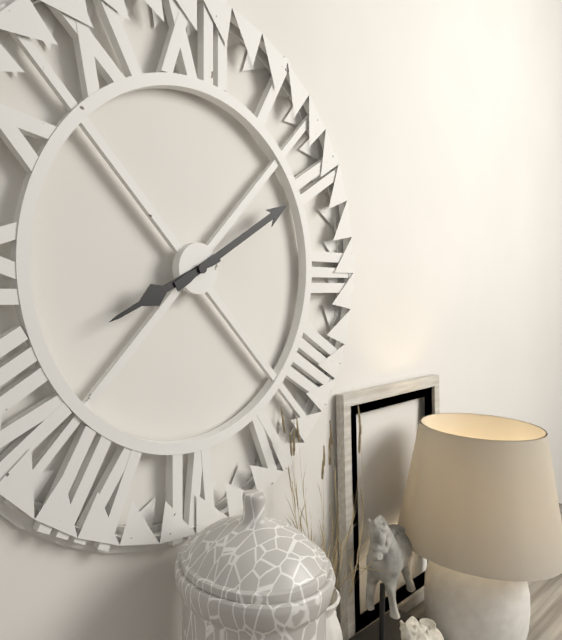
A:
8 h 10 min
